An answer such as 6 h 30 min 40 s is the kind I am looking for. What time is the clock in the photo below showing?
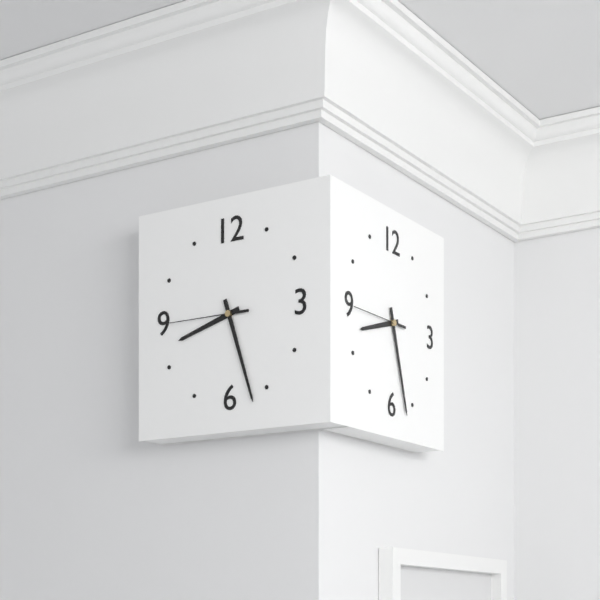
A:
8 h 27 min 45 s
